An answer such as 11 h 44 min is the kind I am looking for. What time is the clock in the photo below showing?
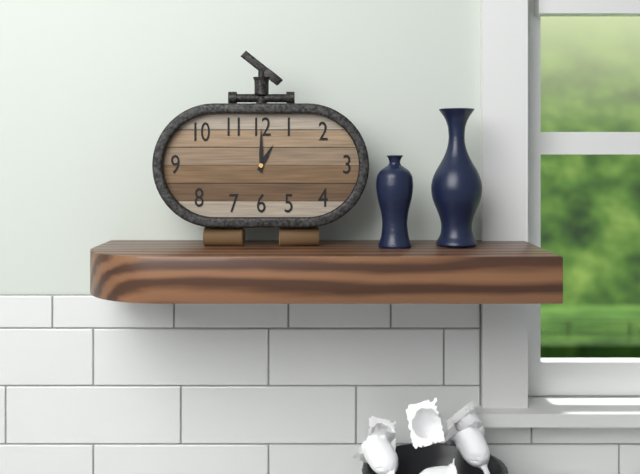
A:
1 h 00 min
